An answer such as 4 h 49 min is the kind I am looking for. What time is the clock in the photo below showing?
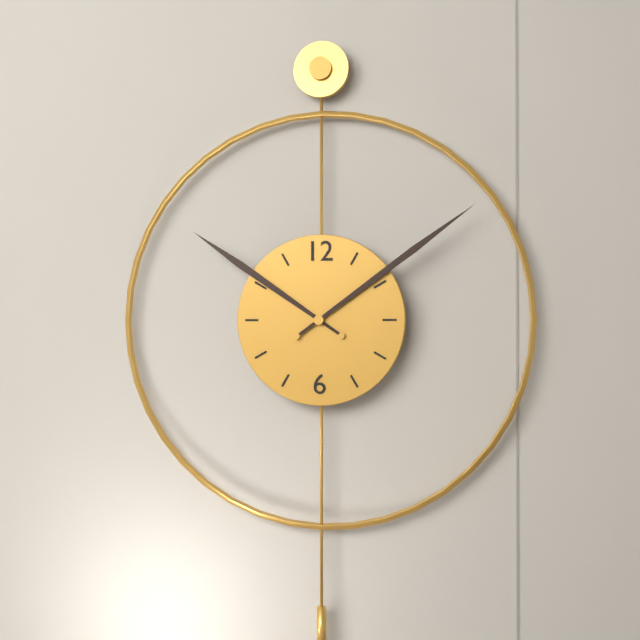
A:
10 h 09 min
